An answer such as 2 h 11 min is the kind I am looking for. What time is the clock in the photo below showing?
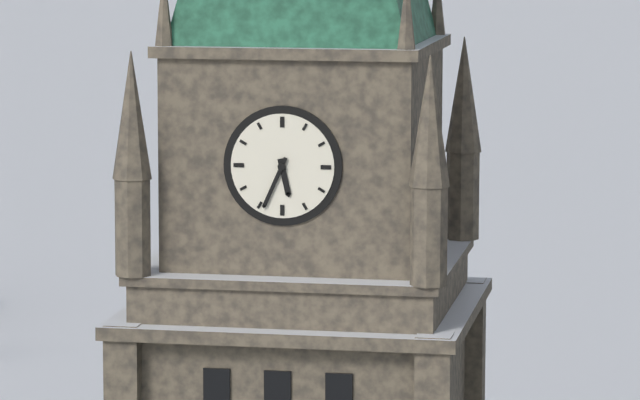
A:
5 h 34 min
